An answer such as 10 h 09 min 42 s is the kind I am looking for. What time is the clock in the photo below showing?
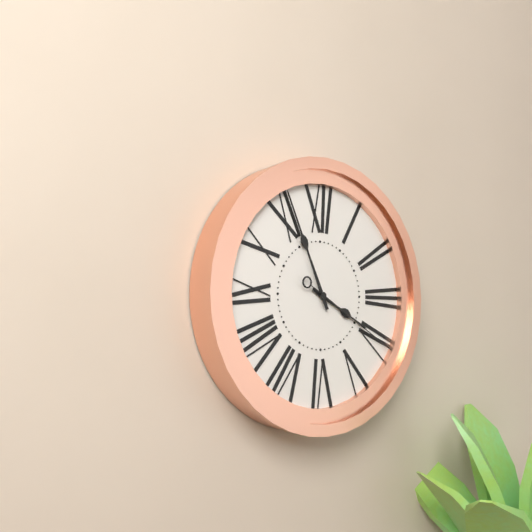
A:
3 h 56 min 20 s
